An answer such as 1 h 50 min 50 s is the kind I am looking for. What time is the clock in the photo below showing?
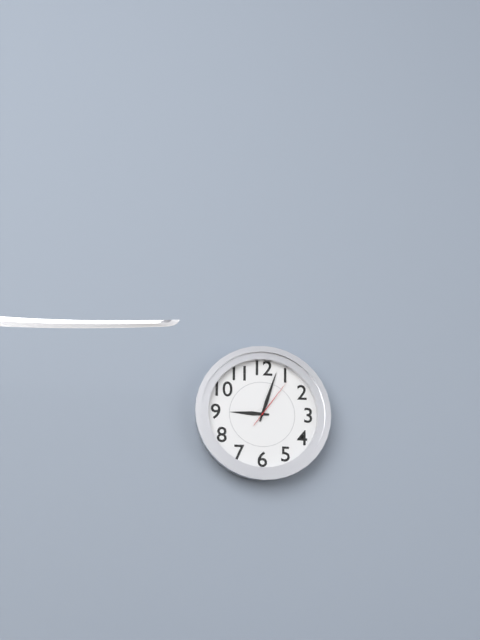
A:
9 h 03 min 06 s
